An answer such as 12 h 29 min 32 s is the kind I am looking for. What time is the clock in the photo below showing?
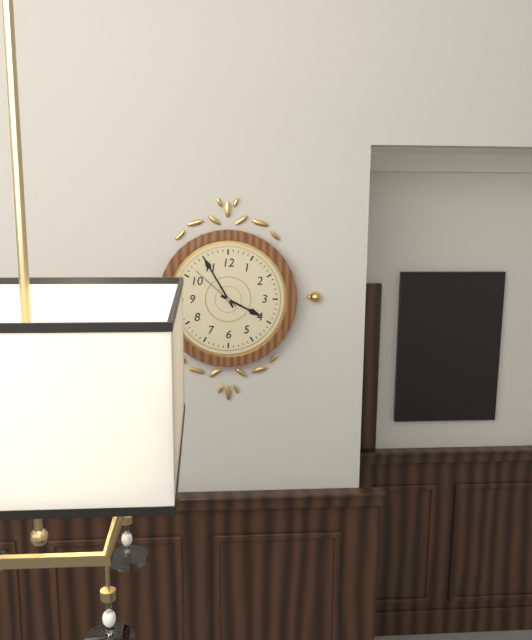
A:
3 h 55 min 52 s
